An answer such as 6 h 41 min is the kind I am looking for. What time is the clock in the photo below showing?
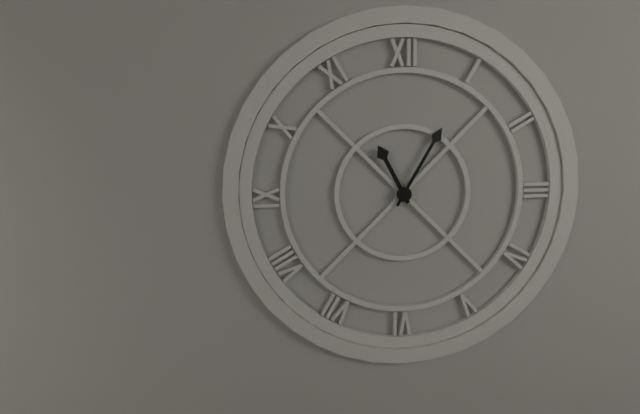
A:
11 h 05 min
